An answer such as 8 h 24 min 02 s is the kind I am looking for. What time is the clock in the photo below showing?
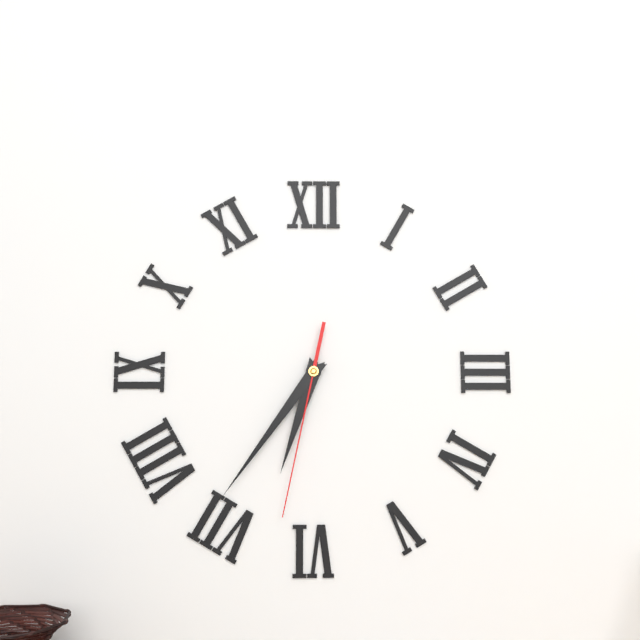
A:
6 h 36 min 32 s
